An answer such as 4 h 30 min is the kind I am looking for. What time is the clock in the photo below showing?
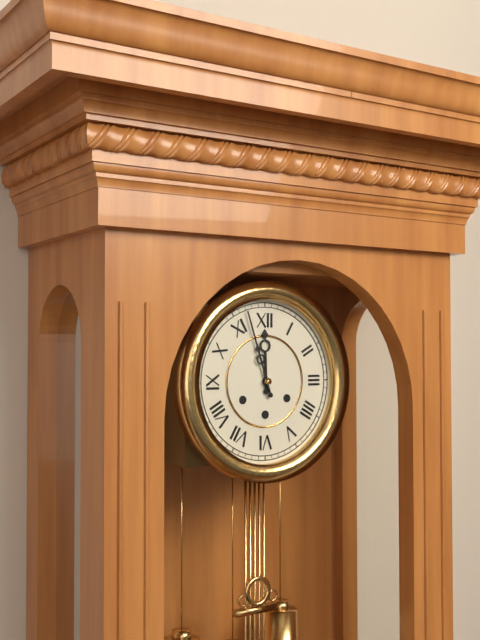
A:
11 h 57 min
